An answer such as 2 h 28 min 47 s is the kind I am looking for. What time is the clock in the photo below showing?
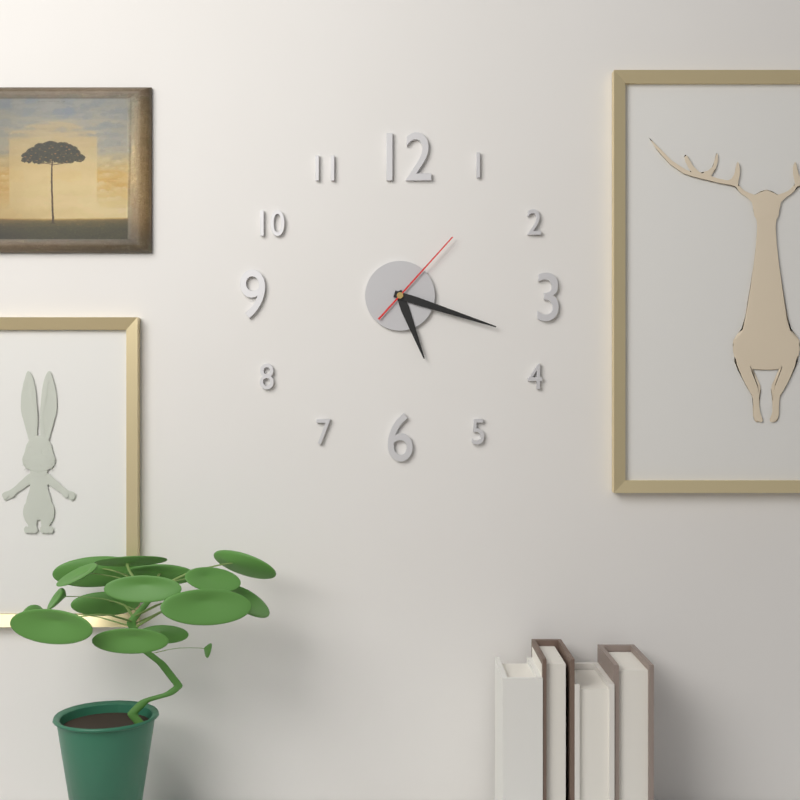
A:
5 h 18 min 07 s
